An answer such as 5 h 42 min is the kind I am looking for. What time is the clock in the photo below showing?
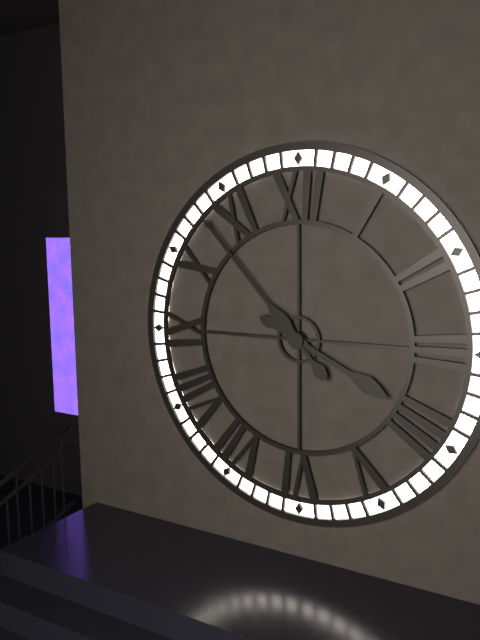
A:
3 h 53 min
